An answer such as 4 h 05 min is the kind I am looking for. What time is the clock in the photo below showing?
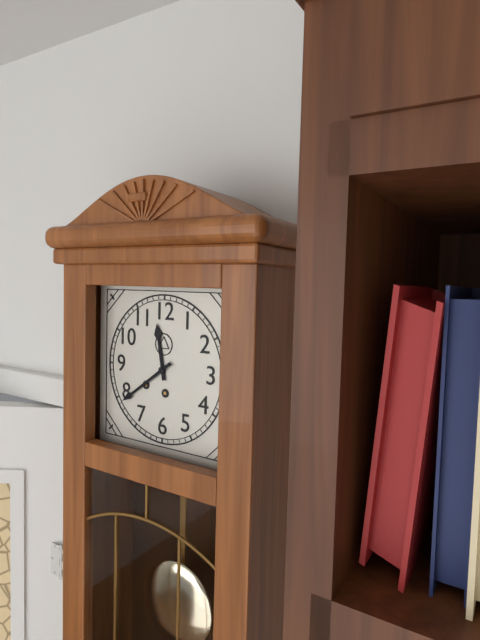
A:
11 h 39 min
